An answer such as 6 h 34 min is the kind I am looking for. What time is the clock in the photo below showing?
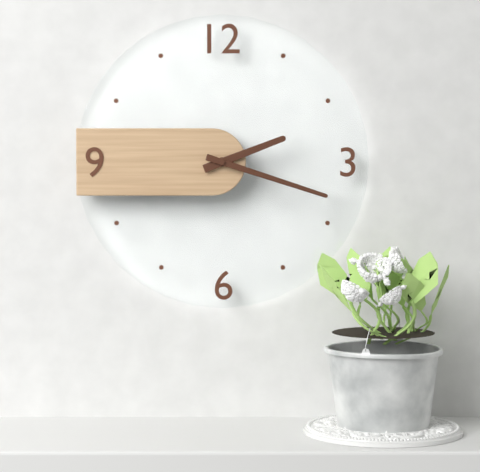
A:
2 h 18 min
